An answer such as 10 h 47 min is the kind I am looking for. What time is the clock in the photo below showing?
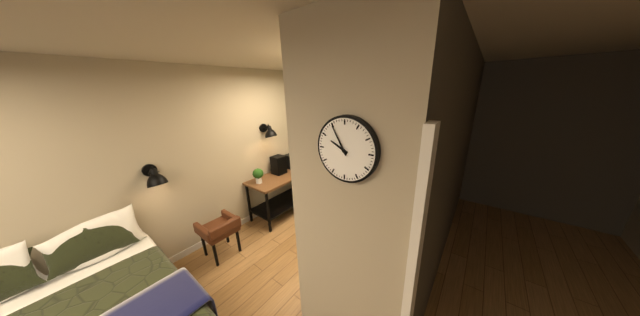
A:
9 h 55 min
